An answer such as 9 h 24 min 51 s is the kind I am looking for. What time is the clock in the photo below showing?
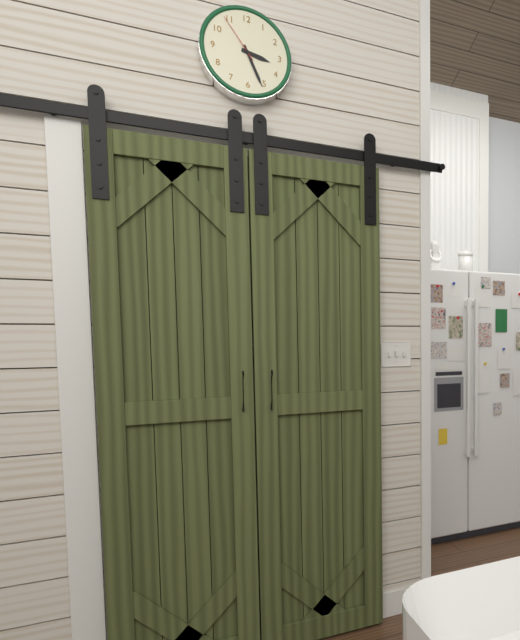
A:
3 h 26 min 54 s
